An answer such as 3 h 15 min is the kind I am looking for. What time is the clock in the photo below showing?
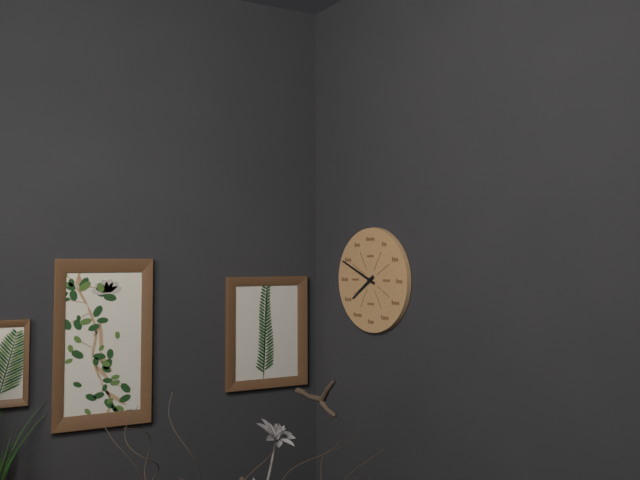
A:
7 h 49 min
